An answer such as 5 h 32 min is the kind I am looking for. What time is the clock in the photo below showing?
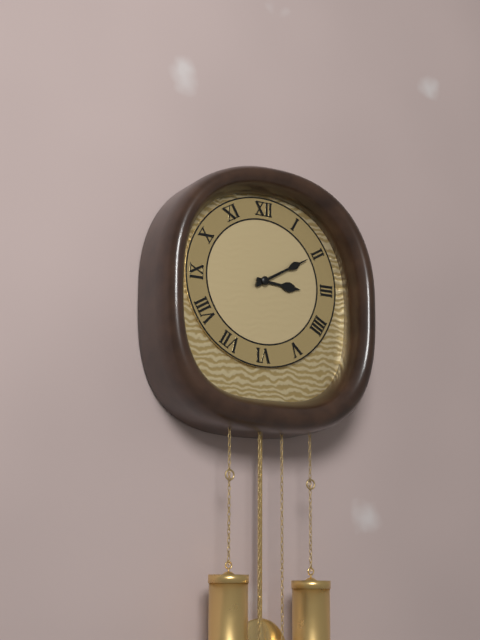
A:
3 h 10 min
